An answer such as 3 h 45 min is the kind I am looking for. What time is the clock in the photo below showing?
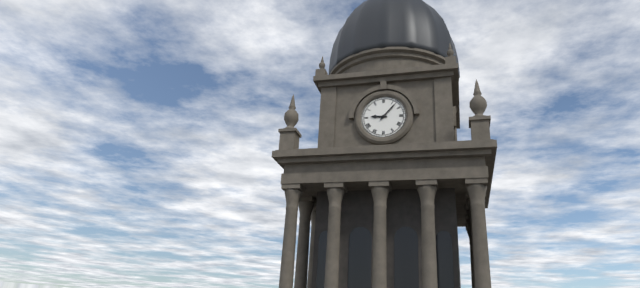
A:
9 h 07 min
